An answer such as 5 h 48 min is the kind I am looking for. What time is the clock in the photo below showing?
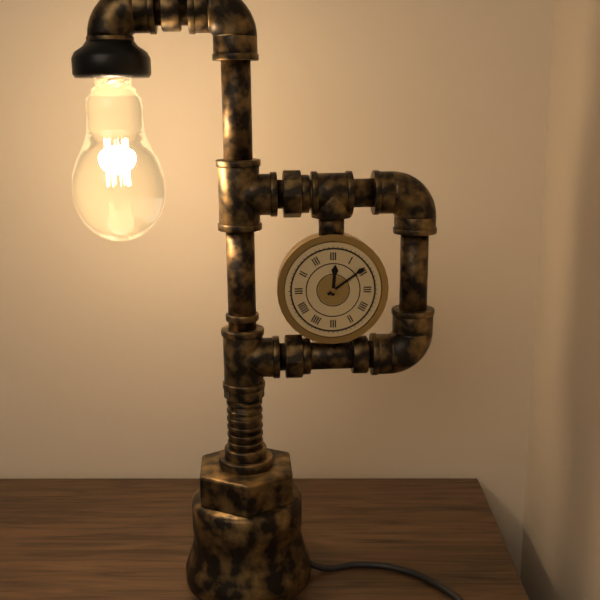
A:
12 h 09 min
